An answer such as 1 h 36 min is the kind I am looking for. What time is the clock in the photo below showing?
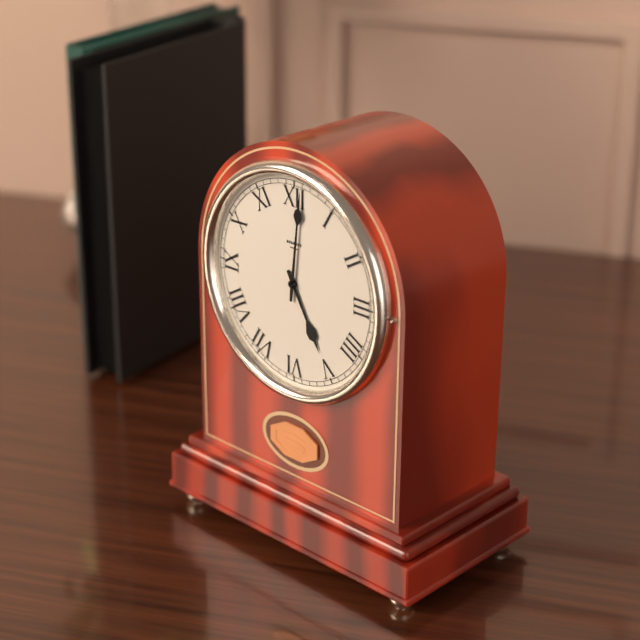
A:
5 h 01 min
